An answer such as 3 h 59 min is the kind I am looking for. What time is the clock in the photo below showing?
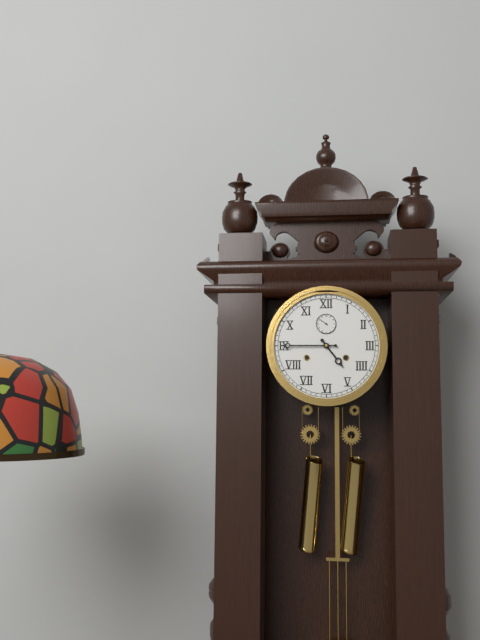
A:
4 h 45 min
